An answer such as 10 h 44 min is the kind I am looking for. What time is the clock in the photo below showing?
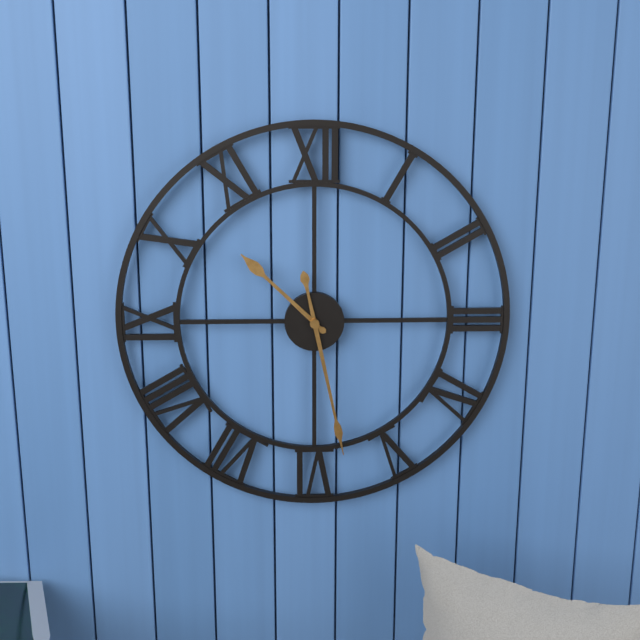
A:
10 h 28 min
